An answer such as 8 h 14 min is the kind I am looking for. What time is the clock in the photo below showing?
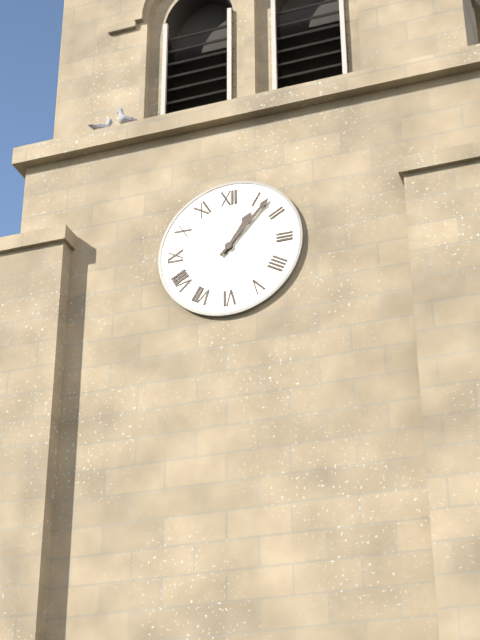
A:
1 h 07 min
